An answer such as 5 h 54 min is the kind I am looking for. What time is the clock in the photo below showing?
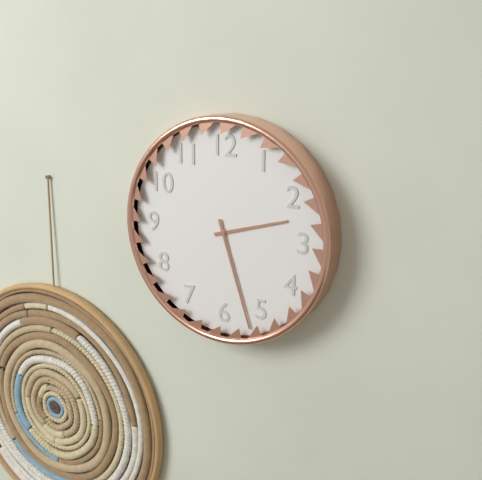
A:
2 h 27 min
